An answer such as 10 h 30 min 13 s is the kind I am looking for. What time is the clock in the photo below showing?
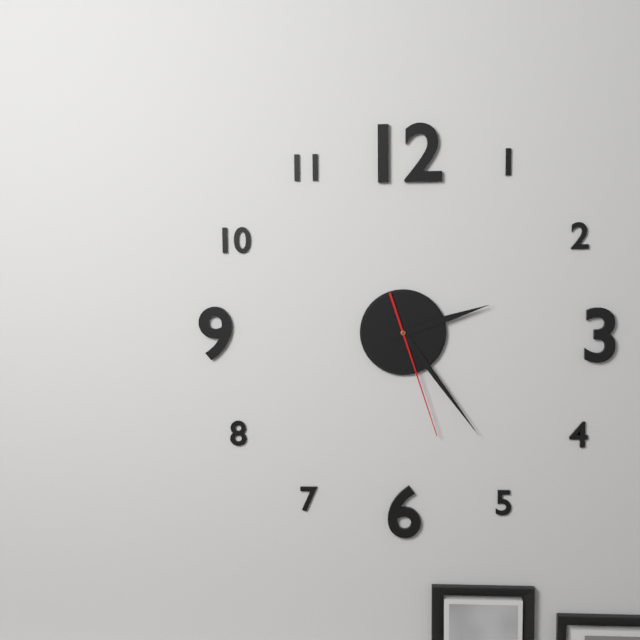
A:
2 h 24 min 27 s
